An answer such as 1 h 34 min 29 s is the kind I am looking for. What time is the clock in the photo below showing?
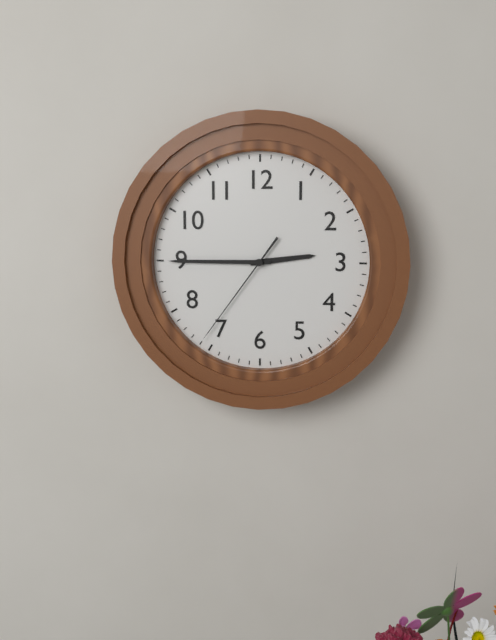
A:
2 h 45 min 36 s
